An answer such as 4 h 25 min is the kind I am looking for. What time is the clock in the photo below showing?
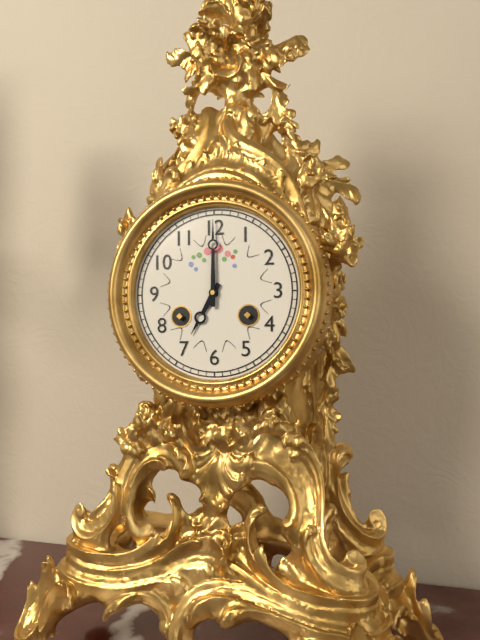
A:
7 h 00 min
